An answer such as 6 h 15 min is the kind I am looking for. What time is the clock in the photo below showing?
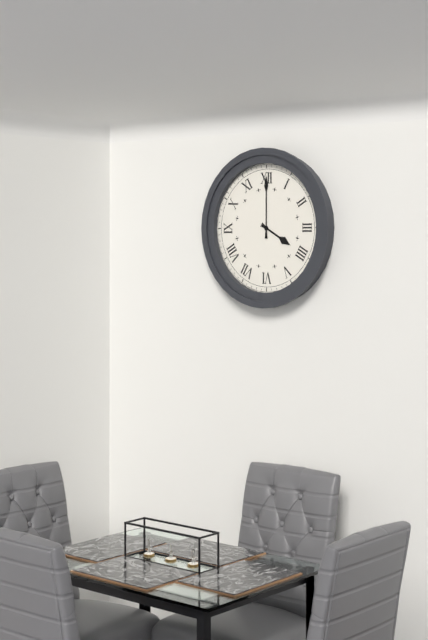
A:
4 h 00 min
